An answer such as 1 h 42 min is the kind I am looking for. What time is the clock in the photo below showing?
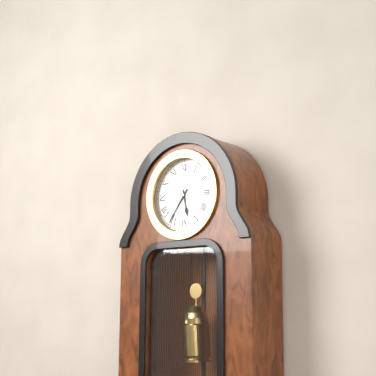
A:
5 h 36 min
